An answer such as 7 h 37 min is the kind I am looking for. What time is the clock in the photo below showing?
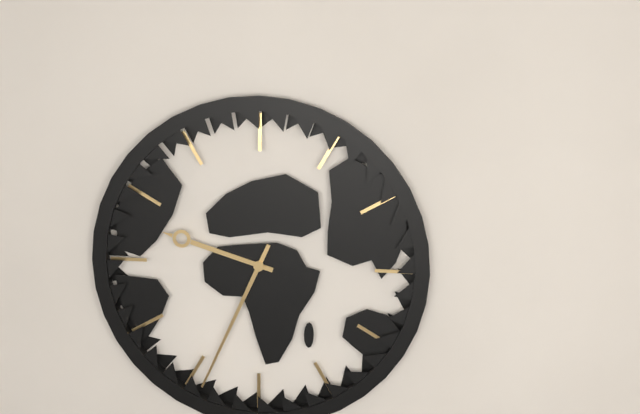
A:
9 h 34 min
